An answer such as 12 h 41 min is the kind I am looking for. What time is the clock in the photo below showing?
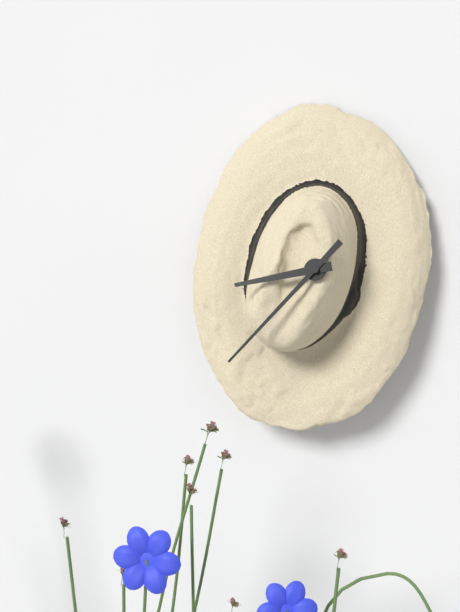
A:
8 h 37 min
